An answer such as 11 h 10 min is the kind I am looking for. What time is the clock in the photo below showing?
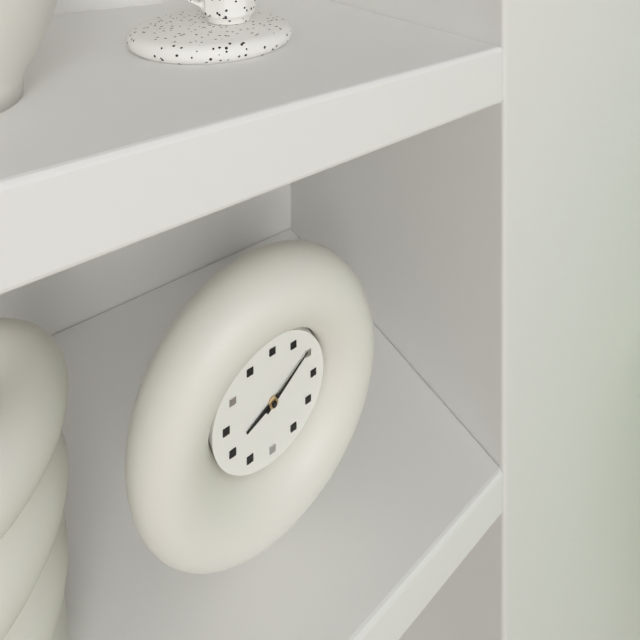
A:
8 h 09 min
